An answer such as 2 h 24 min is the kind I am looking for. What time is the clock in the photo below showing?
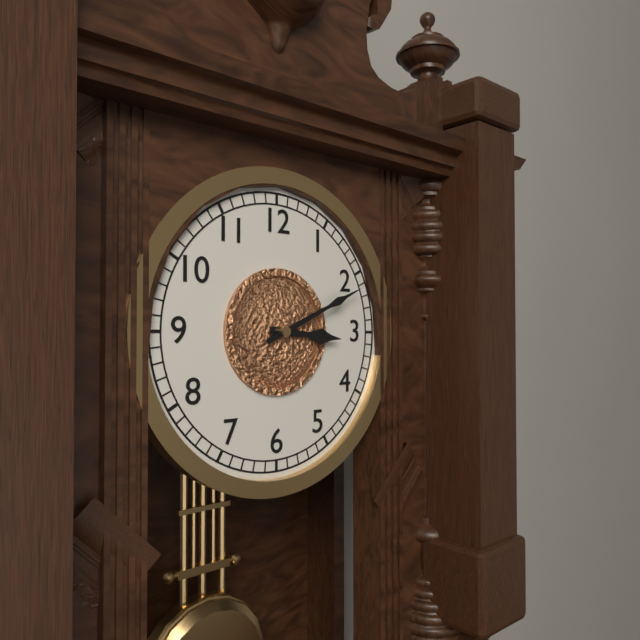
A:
3 h 11 min
